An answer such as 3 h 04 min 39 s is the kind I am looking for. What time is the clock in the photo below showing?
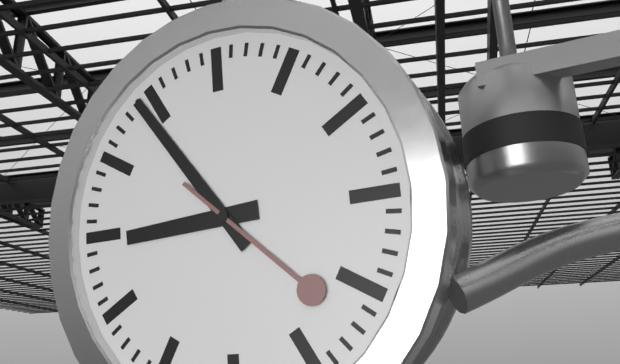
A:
8 h 54 min 22 s
